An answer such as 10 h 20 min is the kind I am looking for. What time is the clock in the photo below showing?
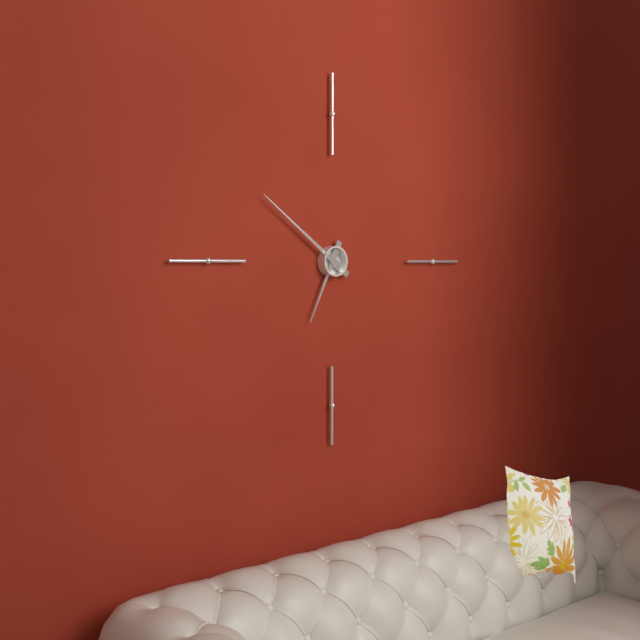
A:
6 h 51 min
